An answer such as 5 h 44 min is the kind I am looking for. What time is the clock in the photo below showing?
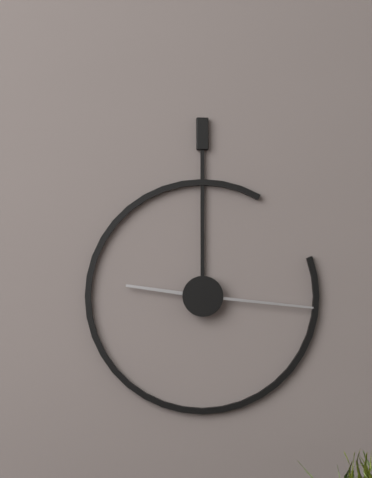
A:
9 h 16 min
